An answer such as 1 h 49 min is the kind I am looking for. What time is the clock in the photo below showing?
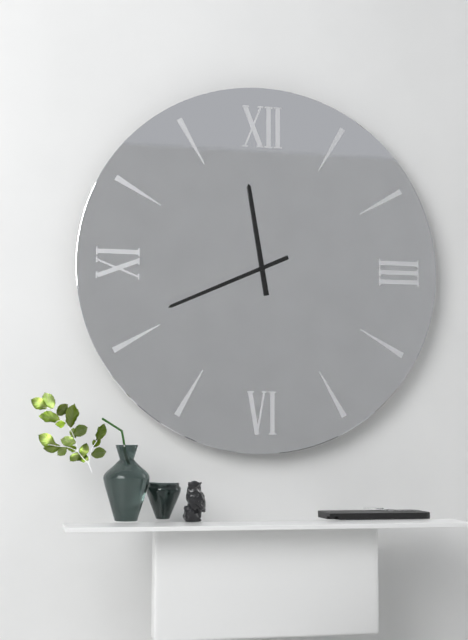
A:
11 h 41 min
